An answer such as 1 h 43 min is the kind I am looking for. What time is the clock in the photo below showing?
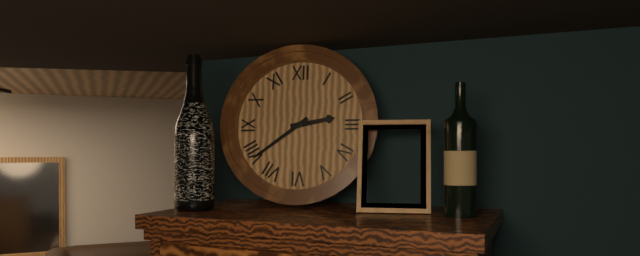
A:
2 h 39 min
